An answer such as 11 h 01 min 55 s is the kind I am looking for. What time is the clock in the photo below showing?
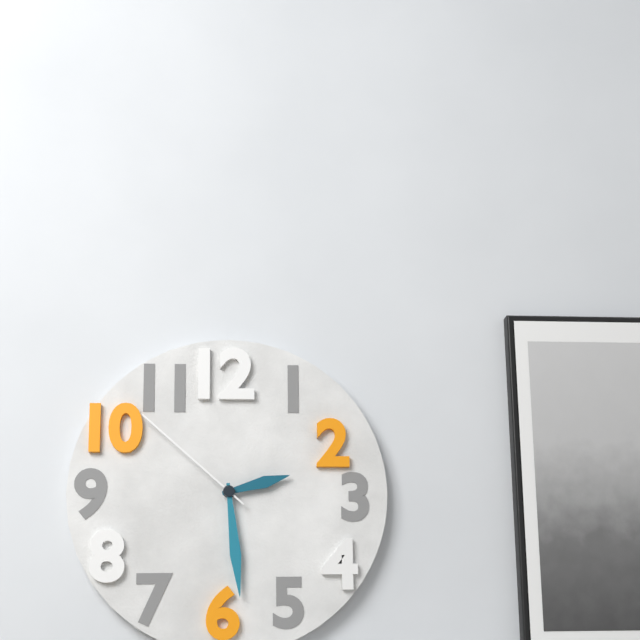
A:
2 h 29 min 52 s
